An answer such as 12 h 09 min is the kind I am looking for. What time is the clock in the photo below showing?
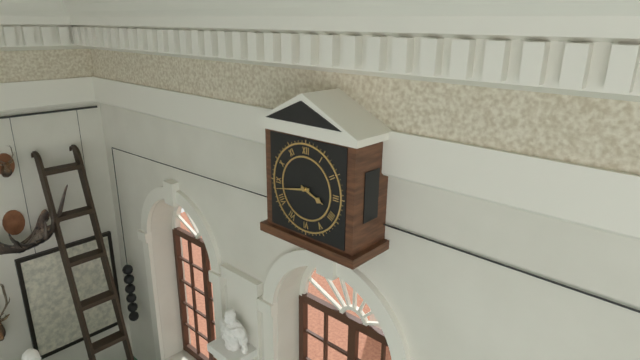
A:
3 h 43 min
